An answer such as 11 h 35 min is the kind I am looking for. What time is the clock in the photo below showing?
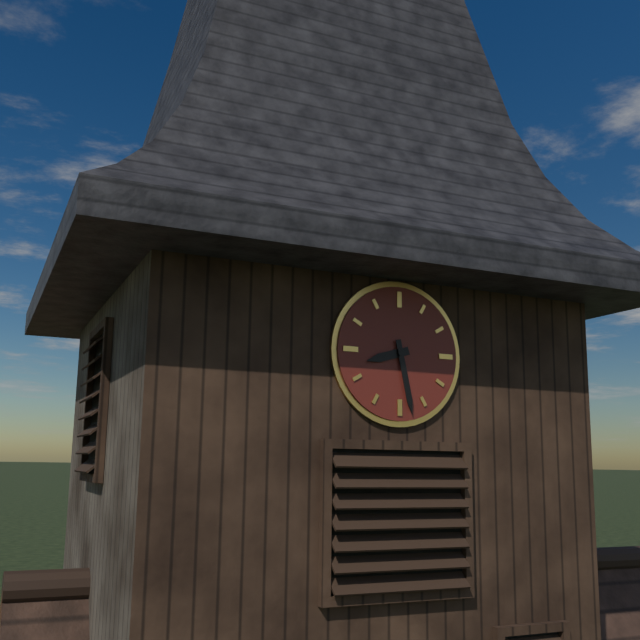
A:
8 h 28 min
